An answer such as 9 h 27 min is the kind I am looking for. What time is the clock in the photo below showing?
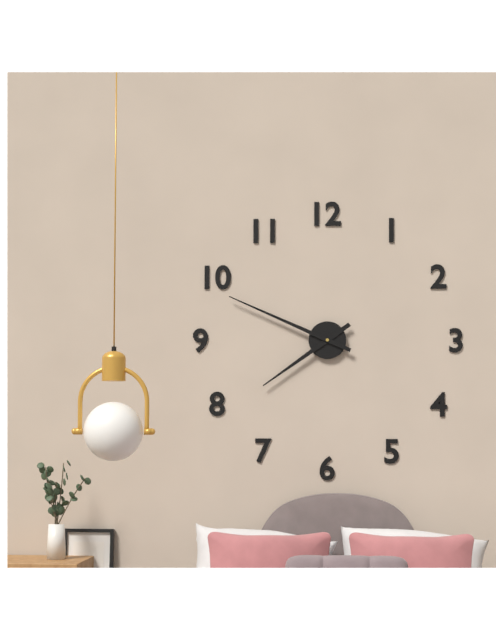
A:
7 h 49 min
